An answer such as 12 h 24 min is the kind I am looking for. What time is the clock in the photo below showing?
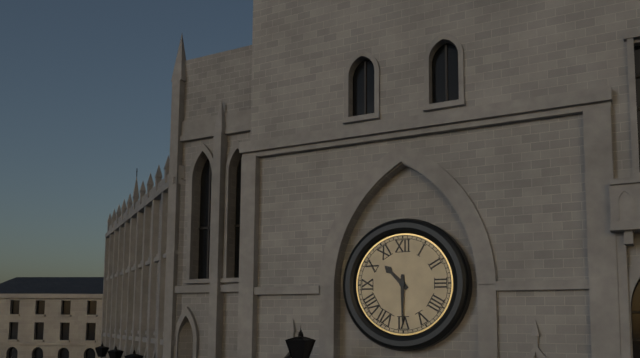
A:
10 h 30 min
